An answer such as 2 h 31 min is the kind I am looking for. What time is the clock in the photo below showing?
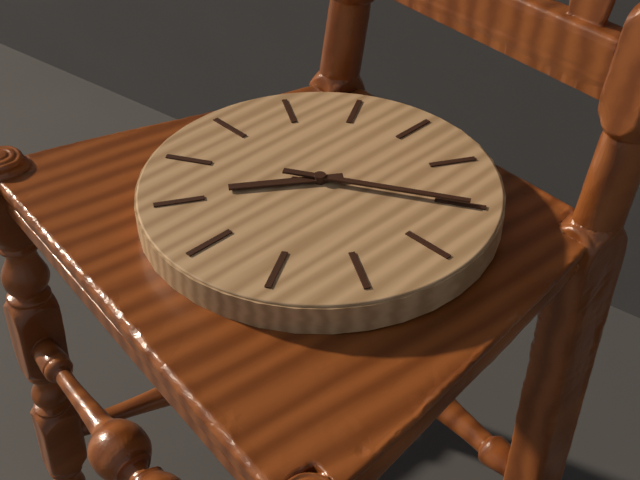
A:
7 h 10 min
